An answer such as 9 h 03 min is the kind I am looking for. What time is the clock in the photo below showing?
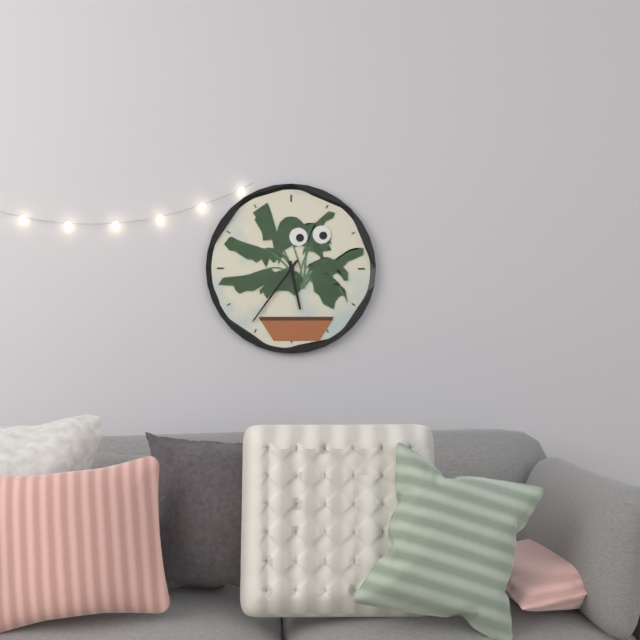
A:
5 h 36 min
